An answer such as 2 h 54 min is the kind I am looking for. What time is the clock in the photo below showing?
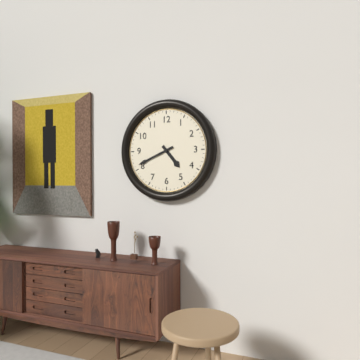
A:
4 h 41 min
